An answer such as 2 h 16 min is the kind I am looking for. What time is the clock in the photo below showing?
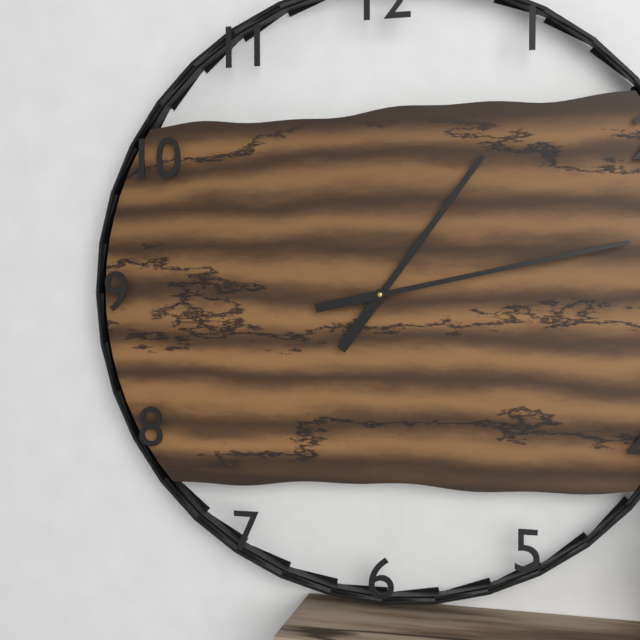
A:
1 h 13 min
